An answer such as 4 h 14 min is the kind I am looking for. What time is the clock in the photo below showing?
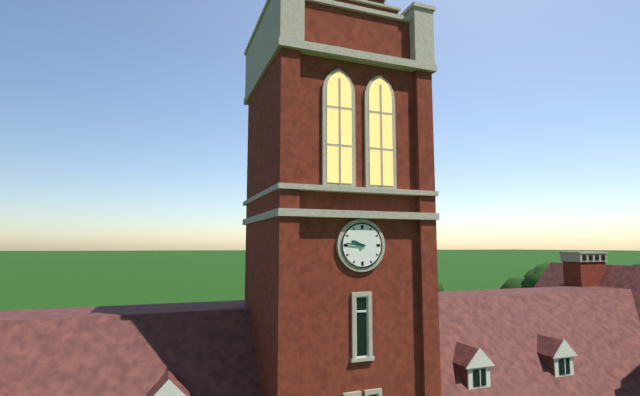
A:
9 h 46 min
